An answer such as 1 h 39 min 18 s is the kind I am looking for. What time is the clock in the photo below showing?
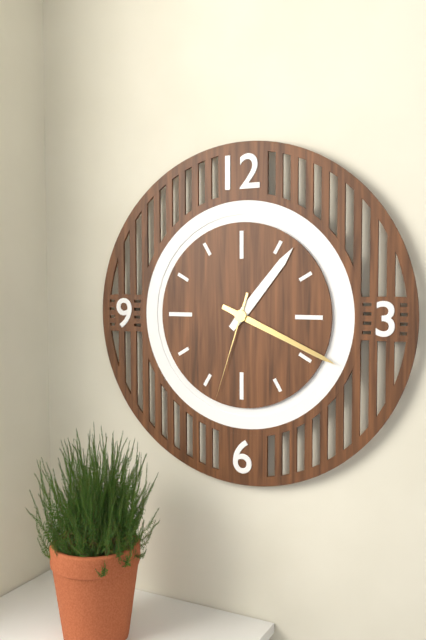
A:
1 h 19 min 33 s
